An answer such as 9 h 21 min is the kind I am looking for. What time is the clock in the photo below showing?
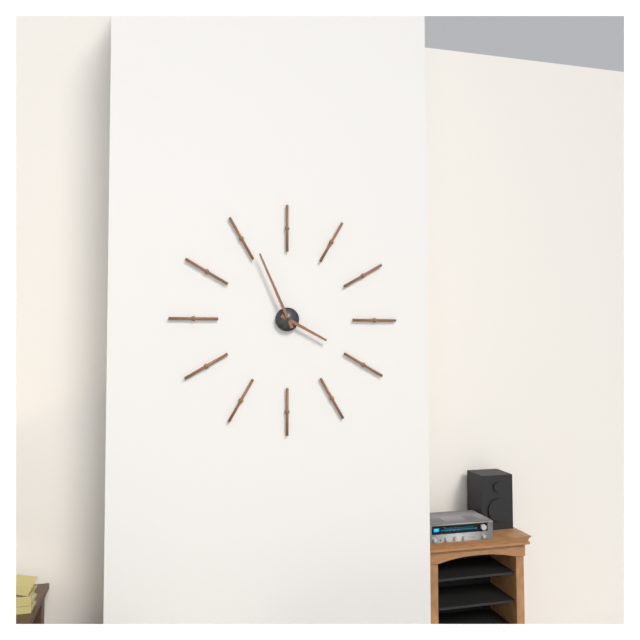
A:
3 h 56 min
